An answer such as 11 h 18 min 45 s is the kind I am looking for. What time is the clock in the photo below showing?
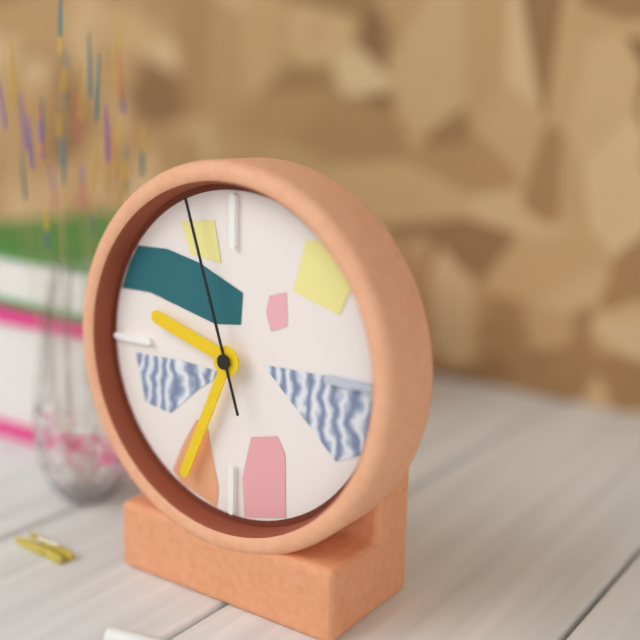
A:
9 h 34 min 57 s
